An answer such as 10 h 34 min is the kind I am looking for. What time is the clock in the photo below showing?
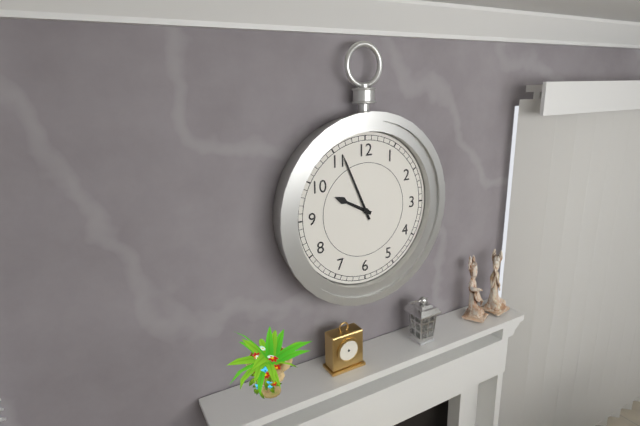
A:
9 h 56 min
